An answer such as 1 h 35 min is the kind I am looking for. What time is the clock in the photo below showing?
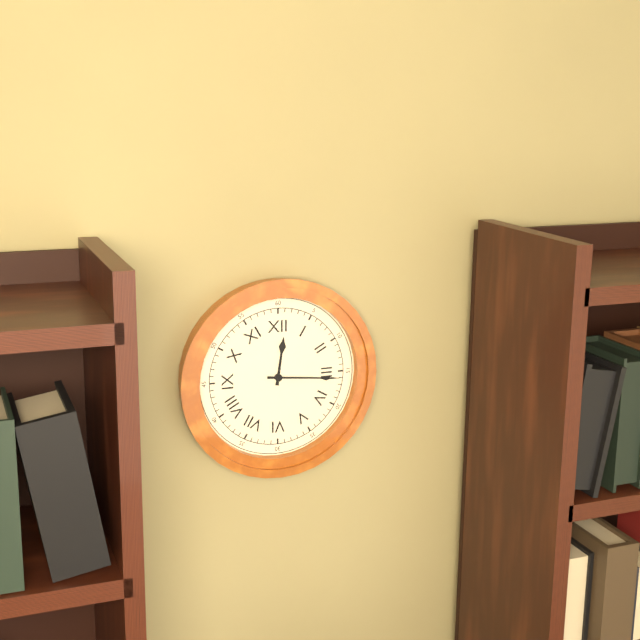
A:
12 h 16 min
